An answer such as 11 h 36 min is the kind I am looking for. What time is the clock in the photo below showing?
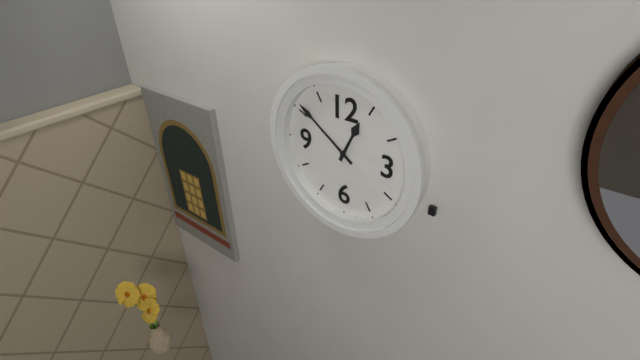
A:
12 h 51 min
